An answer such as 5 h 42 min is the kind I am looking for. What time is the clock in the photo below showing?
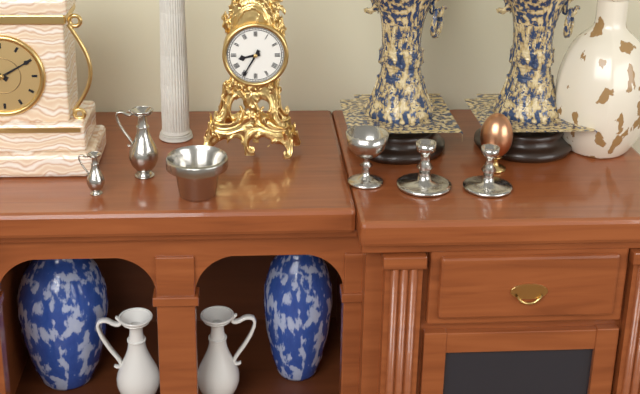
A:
8 h 35 min
